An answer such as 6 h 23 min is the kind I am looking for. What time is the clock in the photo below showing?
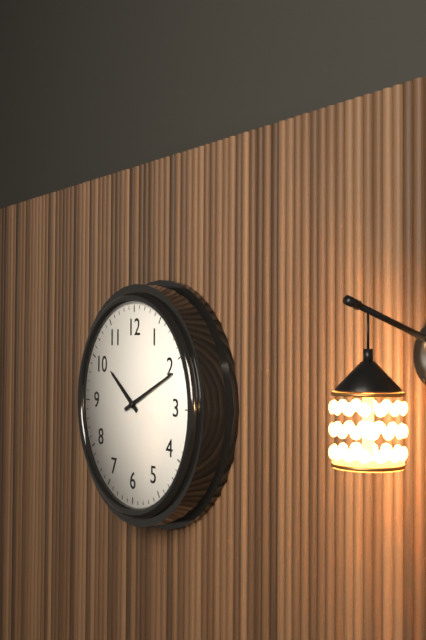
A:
10 h 11 min
